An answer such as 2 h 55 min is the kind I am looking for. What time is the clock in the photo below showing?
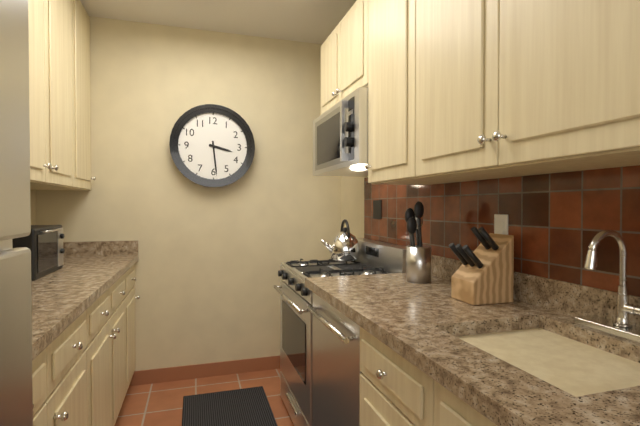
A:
3 h 29 min
